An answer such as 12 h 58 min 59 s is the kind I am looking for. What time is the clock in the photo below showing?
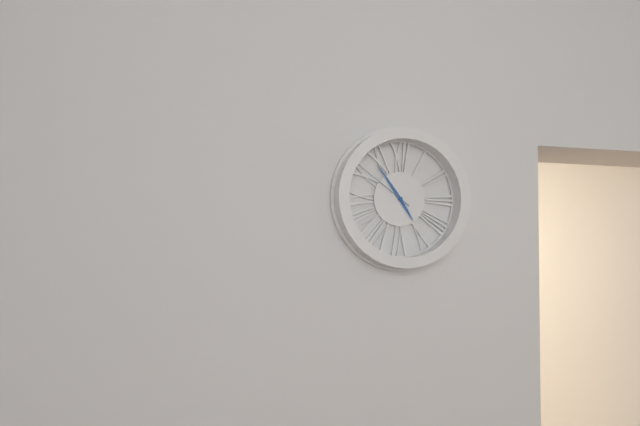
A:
4 h 54 min 51 s
